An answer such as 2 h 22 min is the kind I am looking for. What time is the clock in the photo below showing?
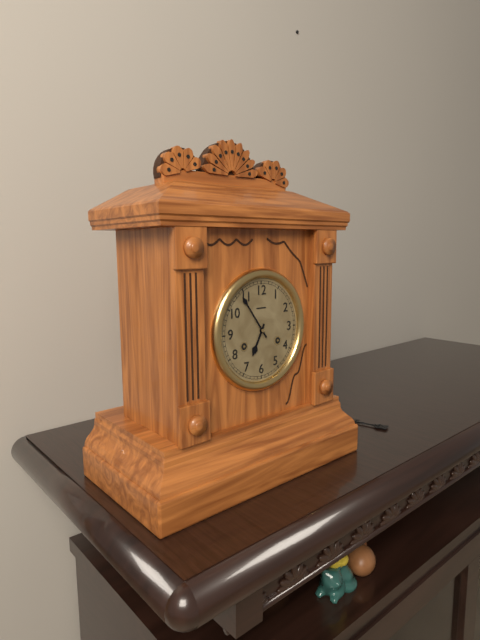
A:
6 h 54 min
